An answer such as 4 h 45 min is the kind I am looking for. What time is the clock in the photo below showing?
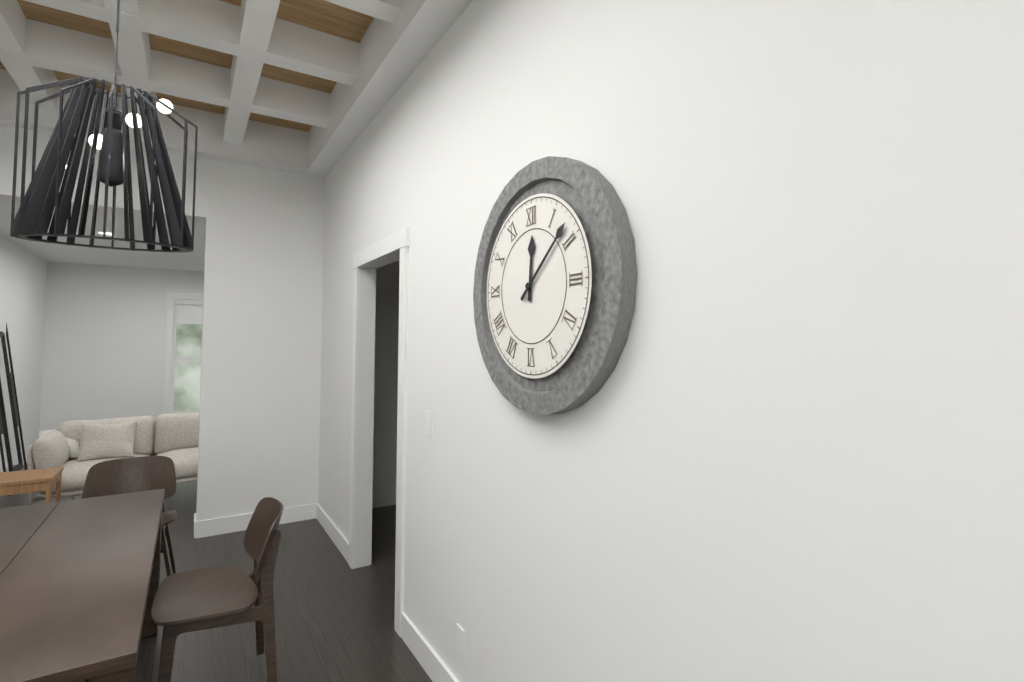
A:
12 h 08 min
